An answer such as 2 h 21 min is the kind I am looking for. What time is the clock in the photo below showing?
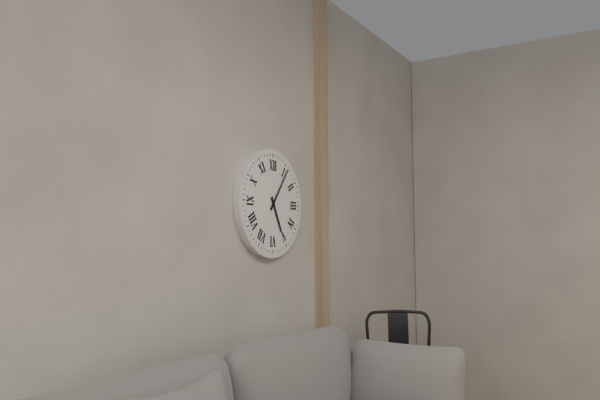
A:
5 h 06 min
